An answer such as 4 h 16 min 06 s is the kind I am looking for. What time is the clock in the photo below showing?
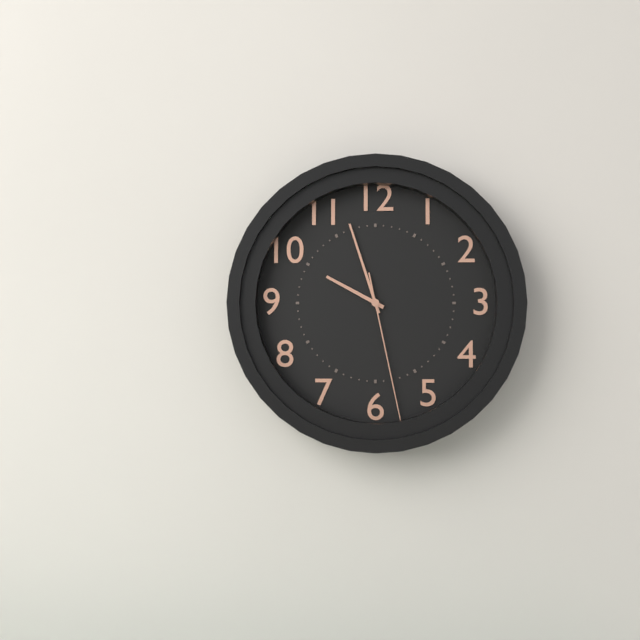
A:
9 h 57 min 28 s
